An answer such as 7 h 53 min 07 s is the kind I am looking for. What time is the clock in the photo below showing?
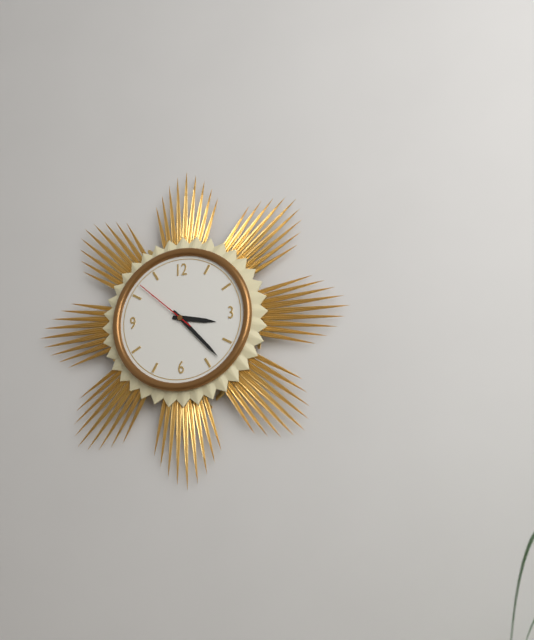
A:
3 h 23 min 52 s
